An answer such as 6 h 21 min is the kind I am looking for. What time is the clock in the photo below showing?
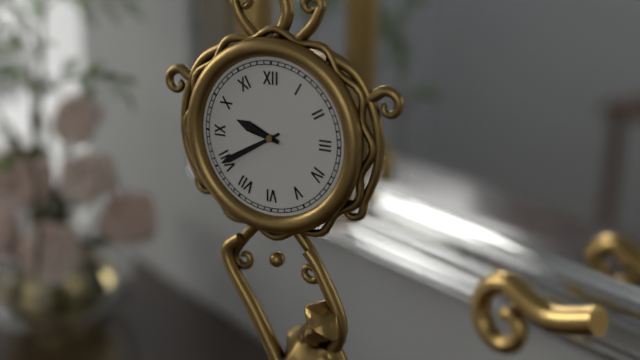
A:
9 h 40 min
